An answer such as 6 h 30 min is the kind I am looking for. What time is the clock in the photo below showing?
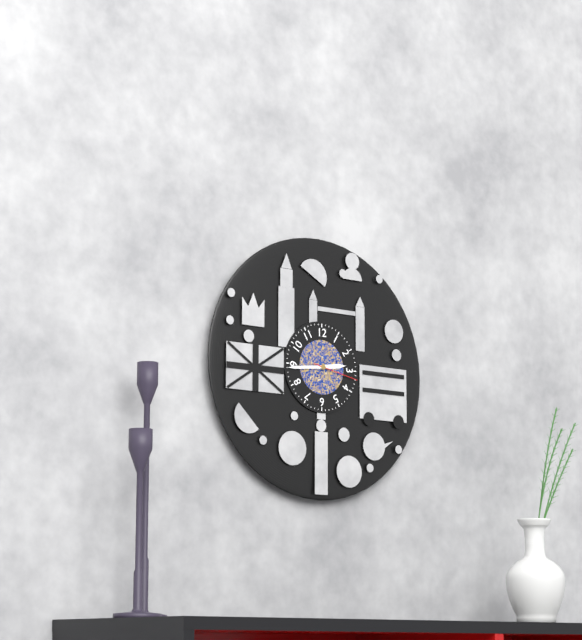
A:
2 h 44 min
